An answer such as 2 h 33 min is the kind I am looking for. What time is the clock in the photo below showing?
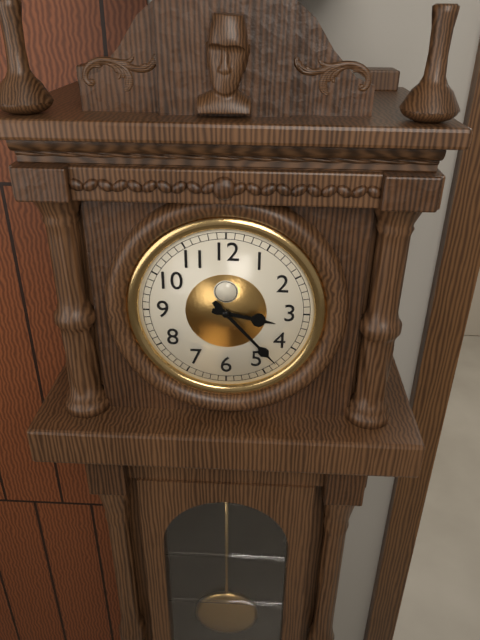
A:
3 h 23 min
